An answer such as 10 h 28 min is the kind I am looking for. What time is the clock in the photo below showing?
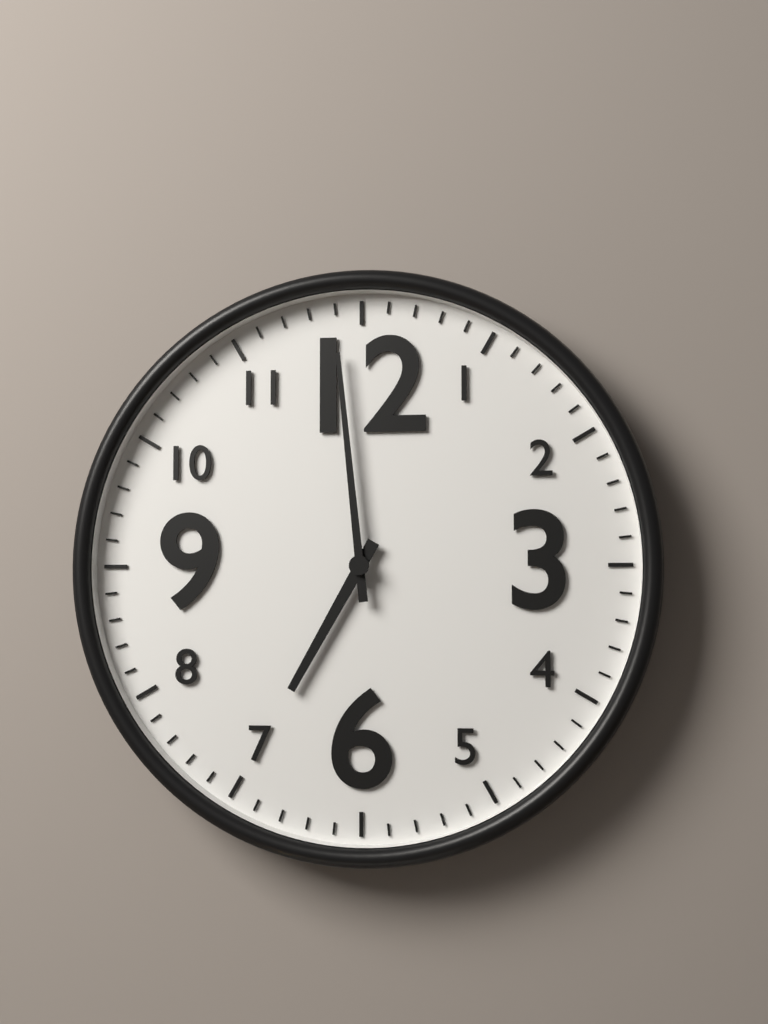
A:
6 h 59 min
